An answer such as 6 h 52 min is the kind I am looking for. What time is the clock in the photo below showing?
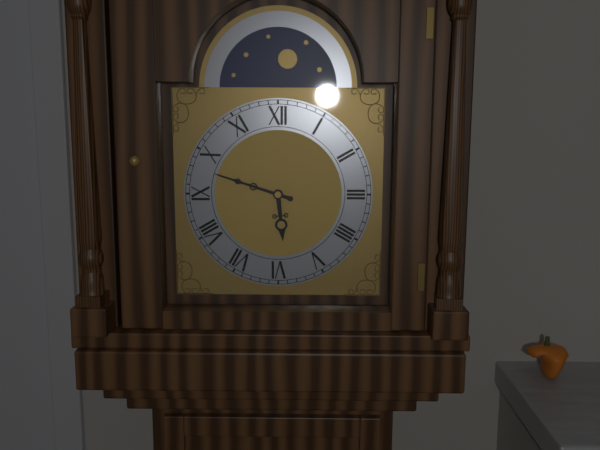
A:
5 h 48 min
